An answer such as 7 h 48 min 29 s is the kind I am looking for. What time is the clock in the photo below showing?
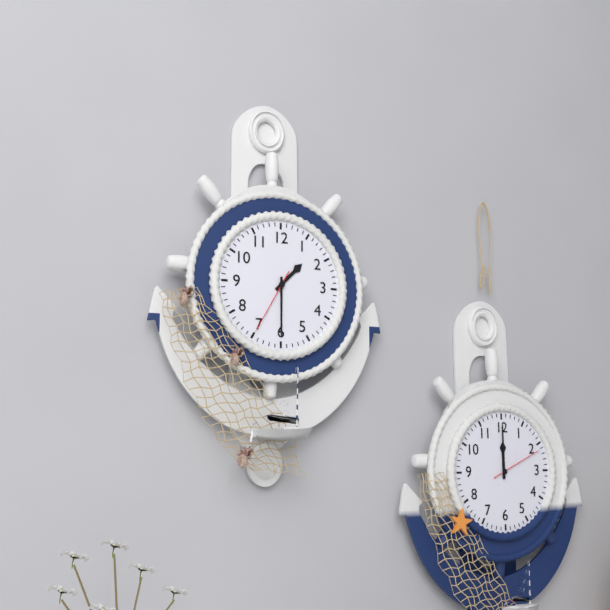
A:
1 h 30 min 35 s
